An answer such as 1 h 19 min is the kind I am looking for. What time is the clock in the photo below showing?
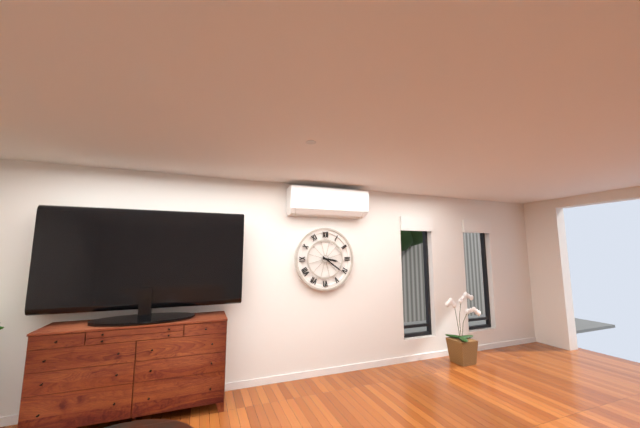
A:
3 h 21 min
